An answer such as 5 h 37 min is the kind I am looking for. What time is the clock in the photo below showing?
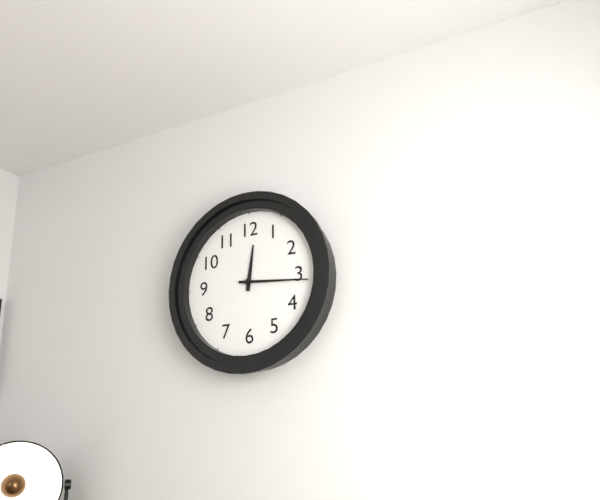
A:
12 h 16 min
